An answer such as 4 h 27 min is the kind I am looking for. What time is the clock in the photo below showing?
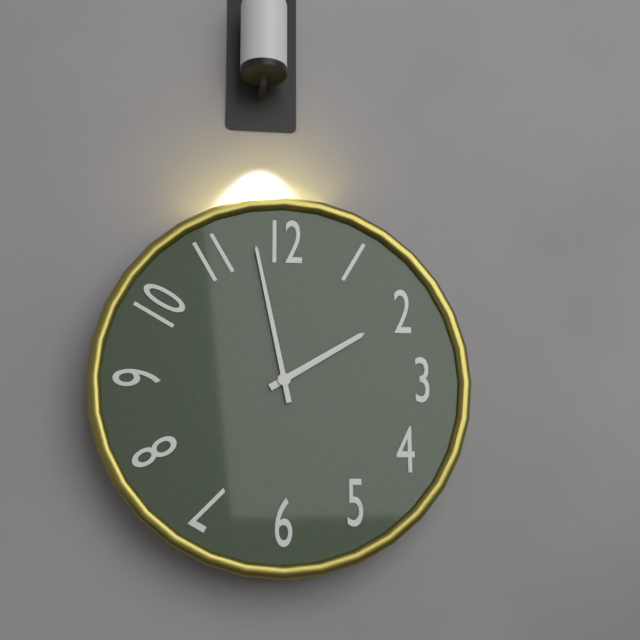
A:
1 h 58 min
